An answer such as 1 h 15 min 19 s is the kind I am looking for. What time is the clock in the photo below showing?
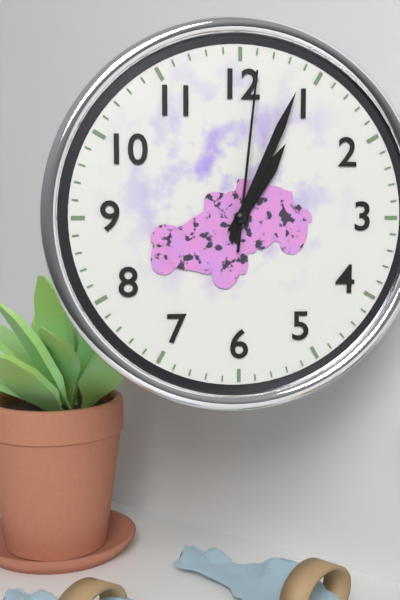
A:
1 h 04 min 01 s
